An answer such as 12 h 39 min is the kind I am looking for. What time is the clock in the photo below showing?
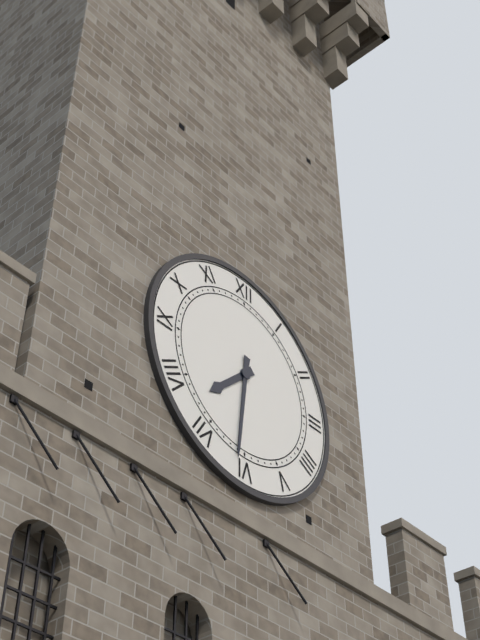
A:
7 h 31 min
